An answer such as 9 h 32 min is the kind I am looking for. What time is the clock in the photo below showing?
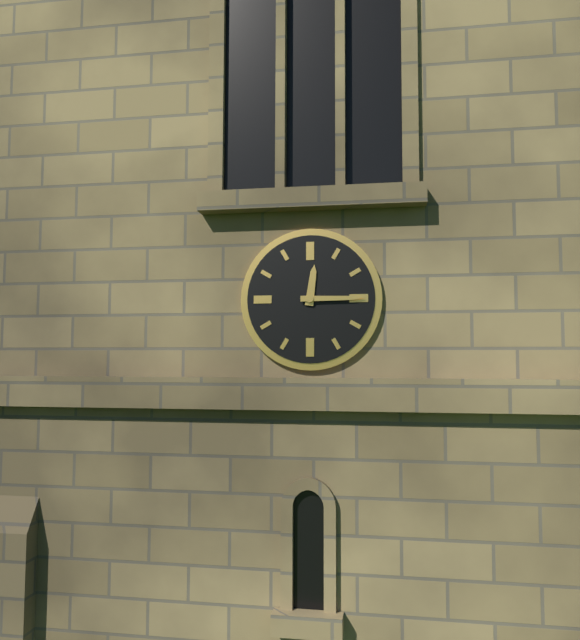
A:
12 h 15 min
